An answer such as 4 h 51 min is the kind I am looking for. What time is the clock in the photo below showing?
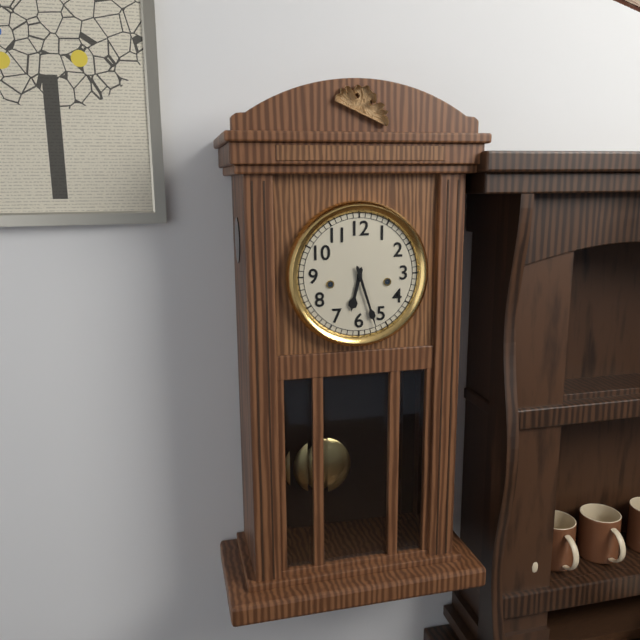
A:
6 h 27 min
